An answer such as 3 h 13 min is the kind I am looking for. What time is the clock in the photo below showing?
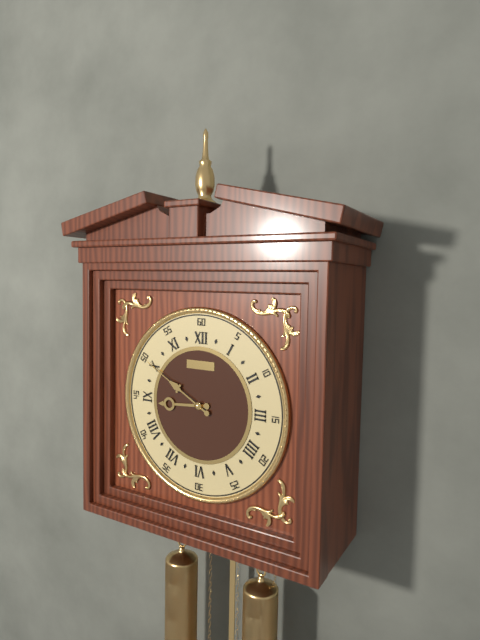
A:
8 h 50 min
